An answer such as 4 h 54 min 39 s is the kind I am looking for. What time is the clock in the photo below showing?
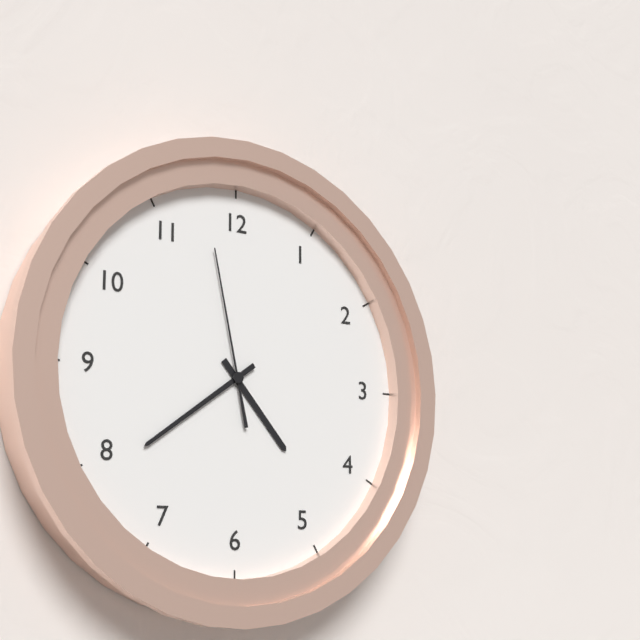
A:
4 h 39 min 58 s
